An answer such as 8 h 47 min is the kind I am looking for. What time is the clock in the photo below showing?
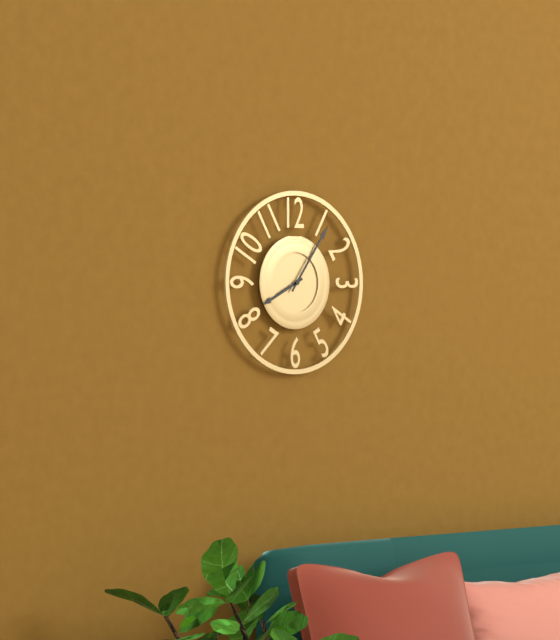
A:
8 h 06 min
